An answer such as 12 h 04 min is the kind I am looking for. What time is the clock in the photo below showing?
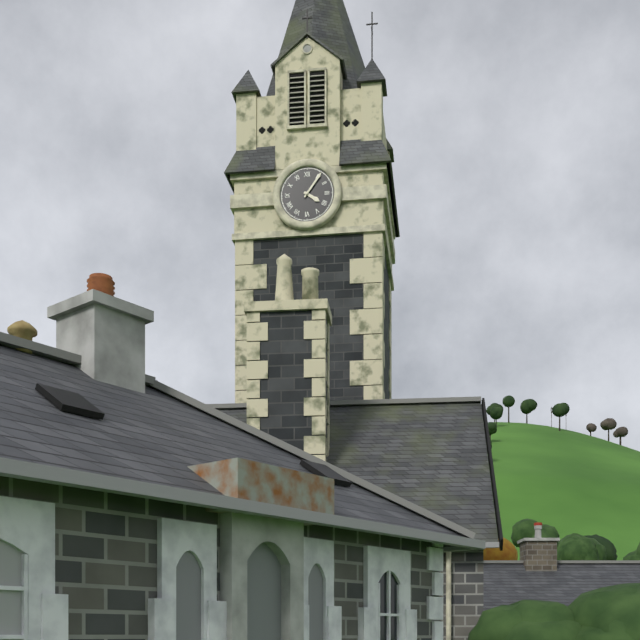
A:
4 h 06 min
